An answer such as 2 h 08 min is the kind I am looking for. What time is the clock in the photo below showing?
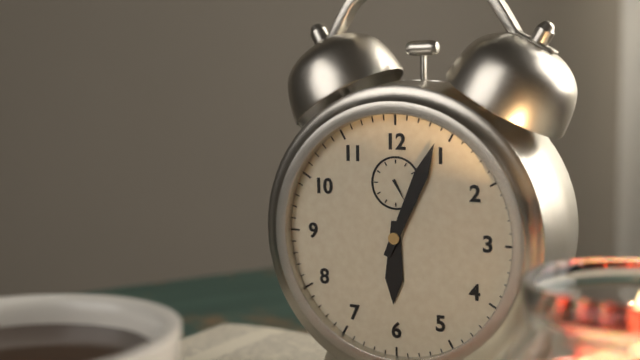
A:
6 h 04 min
